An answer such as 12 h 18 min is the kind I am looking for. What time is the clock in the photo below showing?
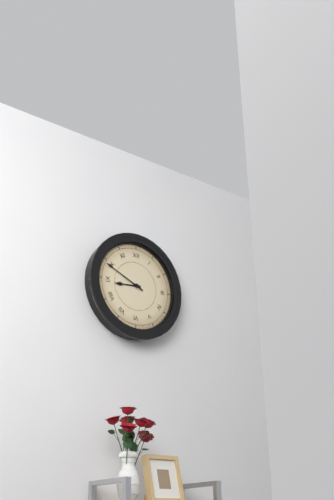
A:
8 h 49 min
